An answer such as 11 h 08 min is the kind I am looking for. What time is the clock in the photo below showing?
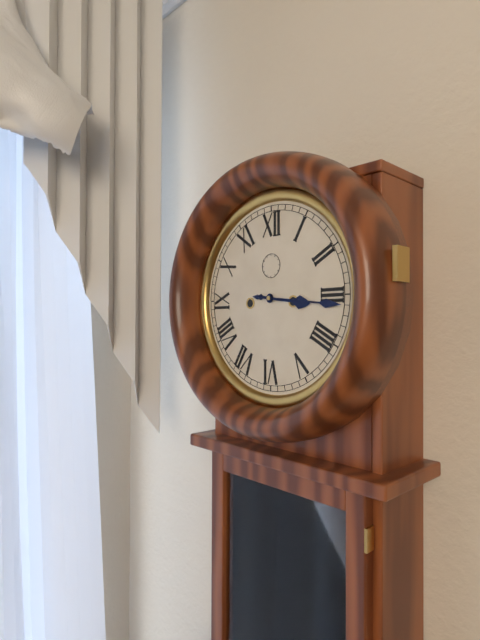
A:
3 h 16 min
